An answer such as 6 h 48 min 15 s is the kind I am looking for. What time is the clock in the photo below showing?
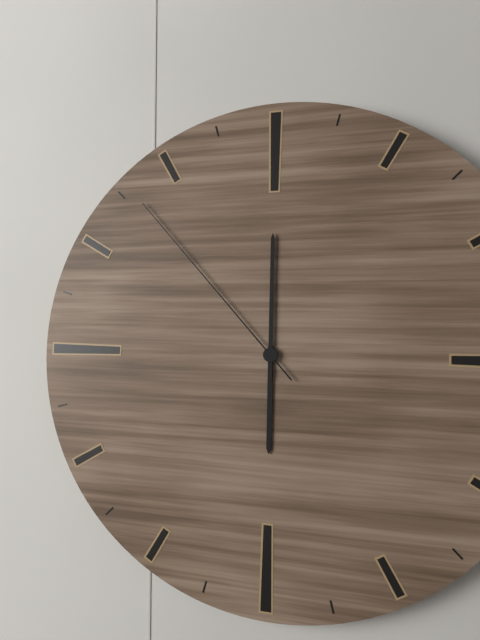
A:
6 h 00 min 53 s
